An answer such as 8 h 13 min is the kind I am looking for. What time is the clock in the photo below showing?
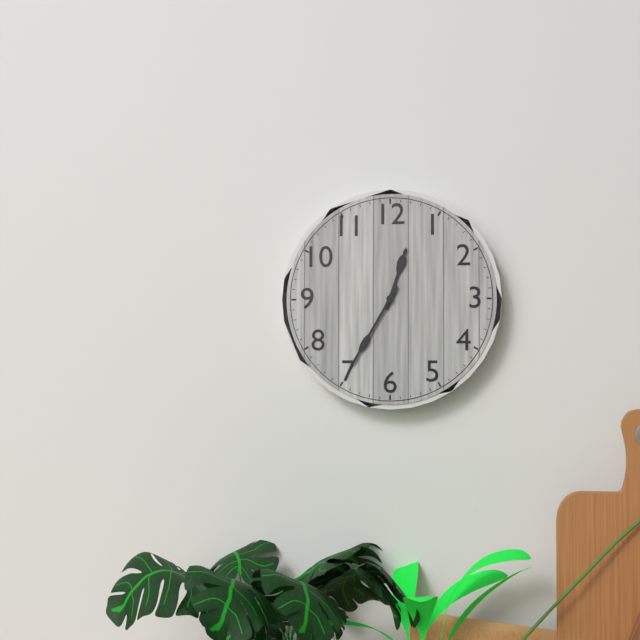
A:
12 h 35 min
